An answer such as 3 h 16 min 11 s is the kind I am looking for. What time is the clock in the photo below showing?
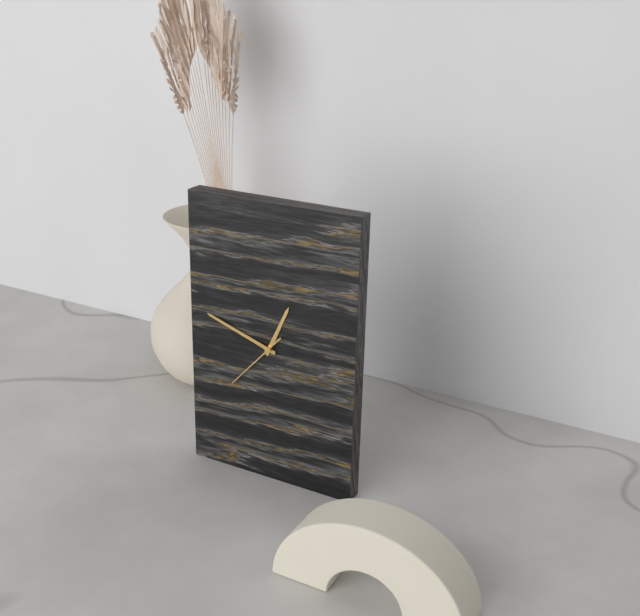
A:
12 h 48 min 37 s
